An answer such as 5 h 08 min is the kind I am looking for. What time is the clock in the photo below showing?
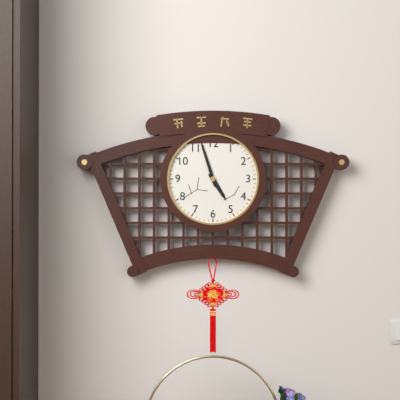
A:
4 h 57 min
